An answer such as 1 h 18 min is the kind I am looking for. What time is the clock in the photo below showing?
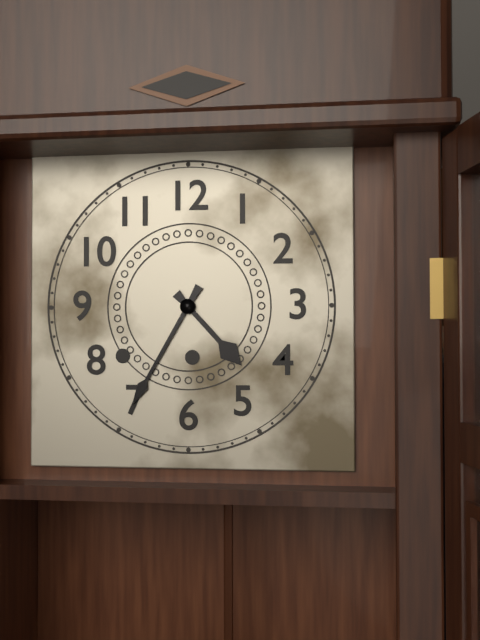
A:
4 h 35 min
